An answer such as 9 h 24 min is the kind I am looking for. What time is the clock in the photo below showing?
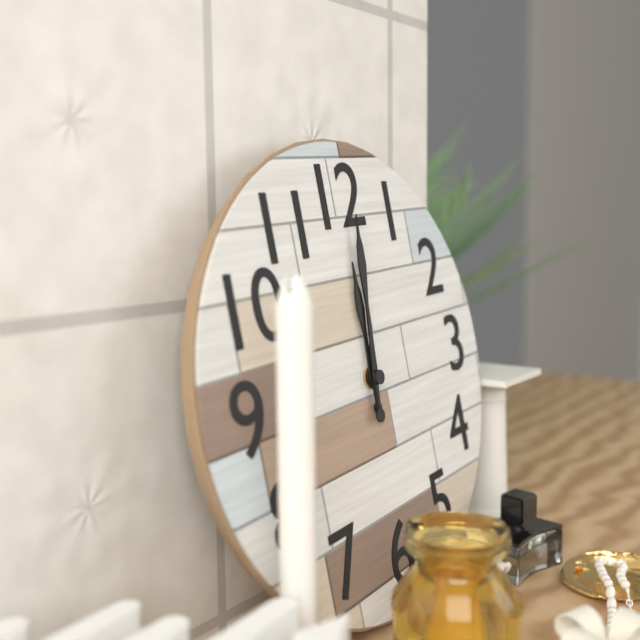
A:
12 h 01 min
